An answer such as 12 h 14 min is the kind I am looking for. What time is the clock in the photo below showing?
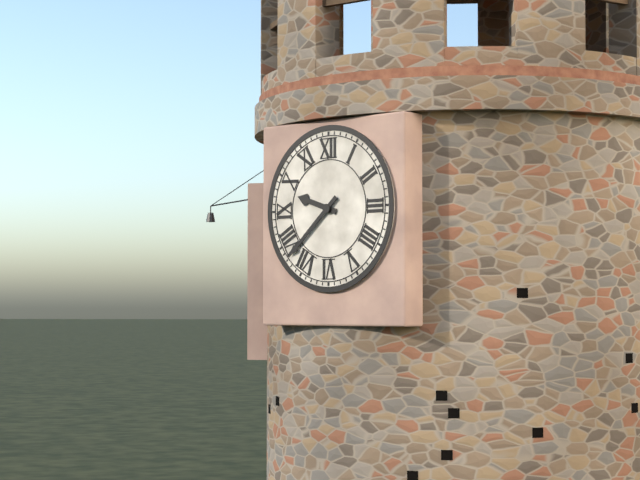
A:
9 h 38 min
